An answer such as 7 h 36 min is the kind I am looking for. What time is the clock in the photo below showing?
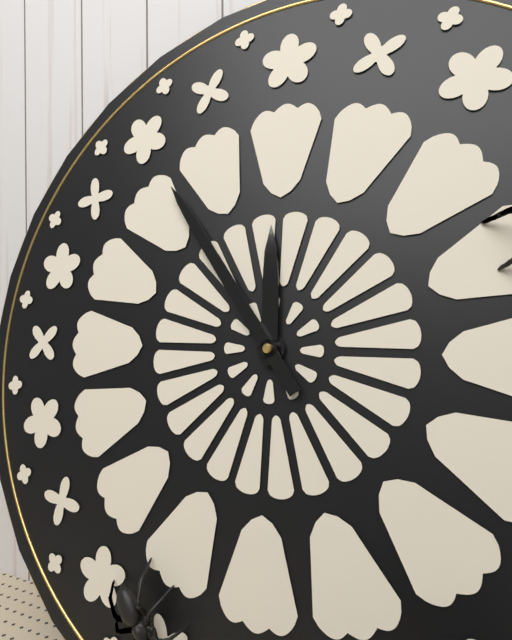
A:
11 h 54 min
